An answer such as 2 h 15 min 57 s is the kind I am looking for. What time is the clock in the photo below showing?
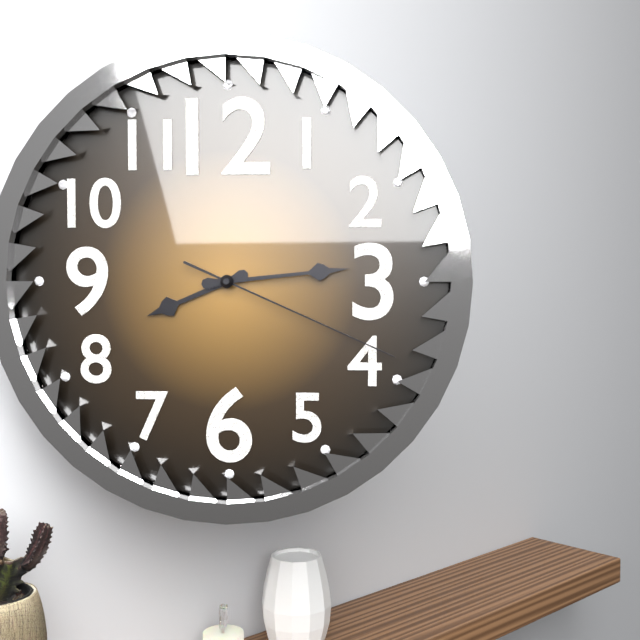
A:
8 h 14 min 19 s
